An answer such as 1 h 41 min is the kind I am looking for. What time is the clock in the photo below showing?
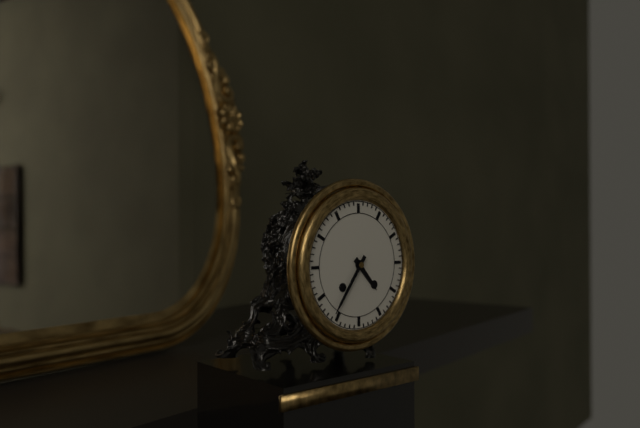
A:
4 h 36 min
